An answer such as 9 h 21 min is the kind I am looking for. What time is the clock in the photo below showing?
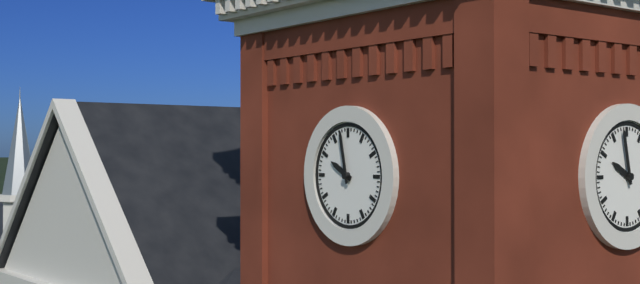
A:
9 h 58 min
